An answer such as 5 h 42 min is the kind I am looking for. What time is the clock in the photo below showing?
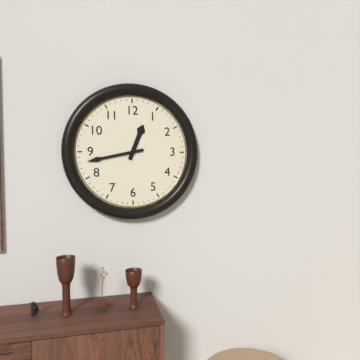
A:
12 h 43 min
